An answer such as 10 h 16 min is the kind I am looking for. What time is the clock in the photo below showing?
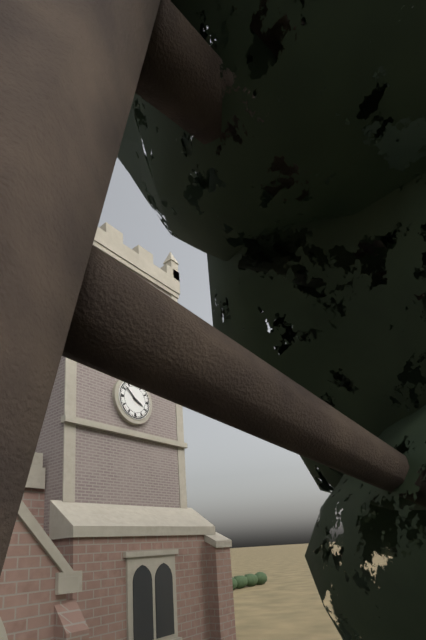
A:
3 h 52 min
